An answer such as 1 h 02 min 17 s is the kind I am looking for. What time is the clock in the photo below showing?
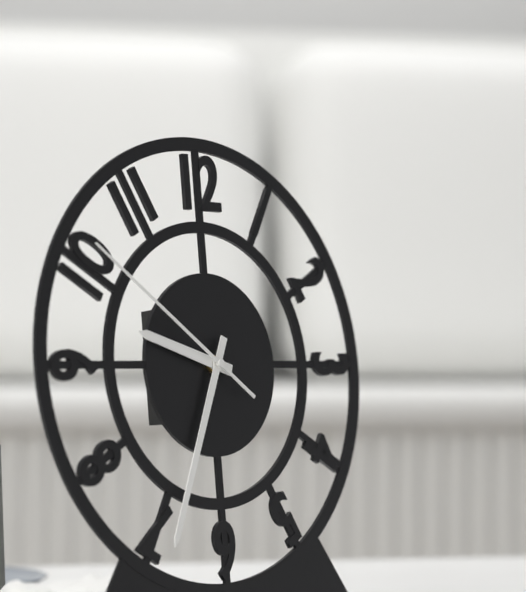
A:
9 h 34 min 51 s
